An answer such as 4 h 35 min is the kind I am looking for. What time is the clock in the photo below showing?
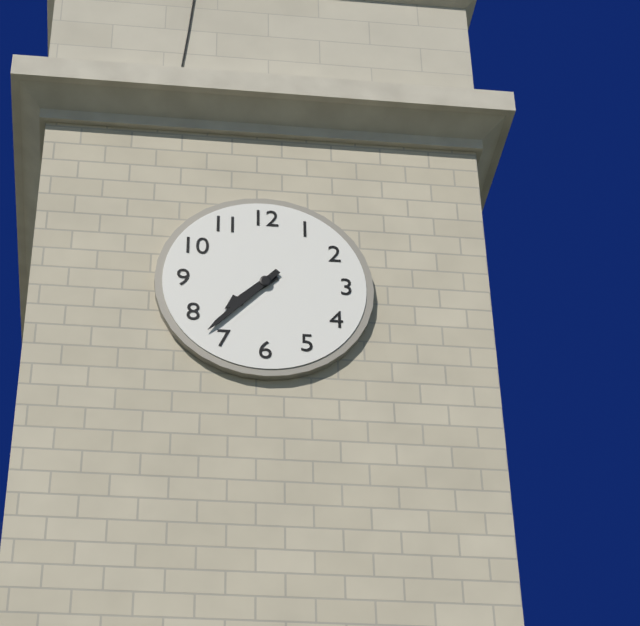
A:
7 h 37 min
